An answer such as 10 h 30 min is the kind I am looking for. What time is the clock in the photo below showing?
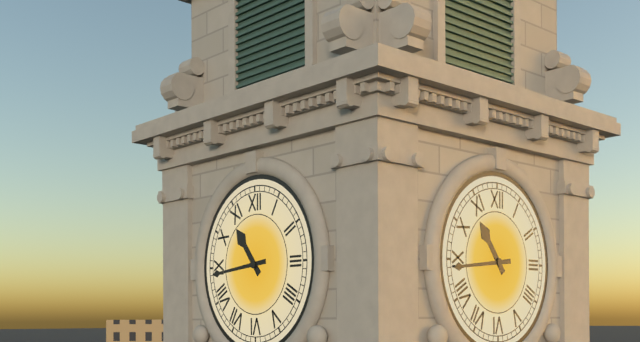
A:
10 h 44 min
